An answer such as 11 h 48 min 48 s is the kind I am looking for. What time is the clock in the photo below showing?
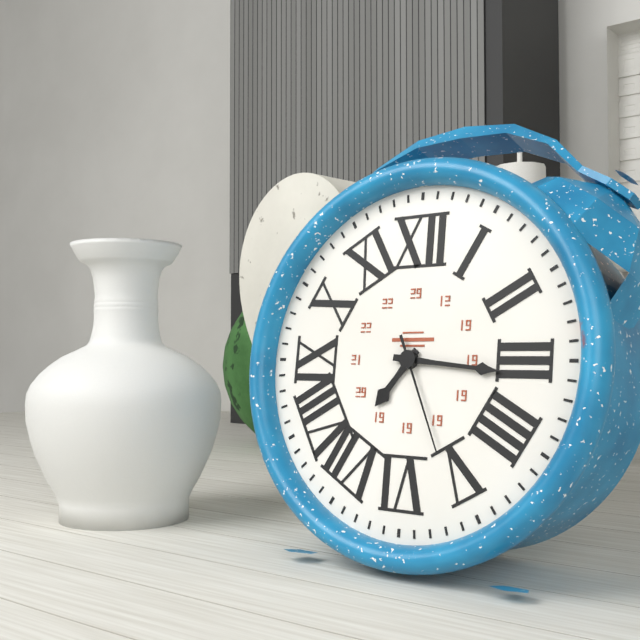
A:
7 h 16 min 26 s
